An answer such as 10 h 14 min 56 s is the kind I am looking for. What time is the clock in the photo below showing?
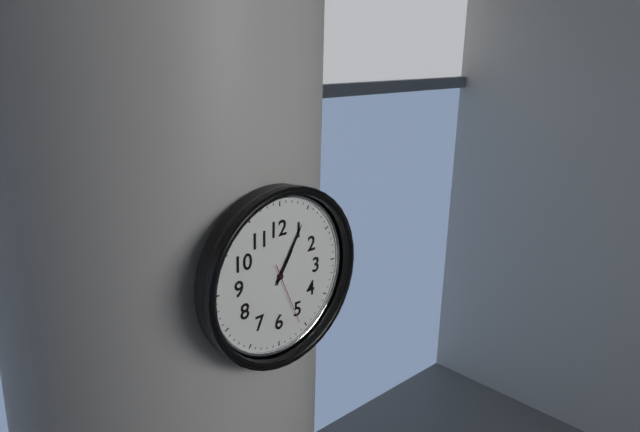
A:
1 h 05 min 26 s
